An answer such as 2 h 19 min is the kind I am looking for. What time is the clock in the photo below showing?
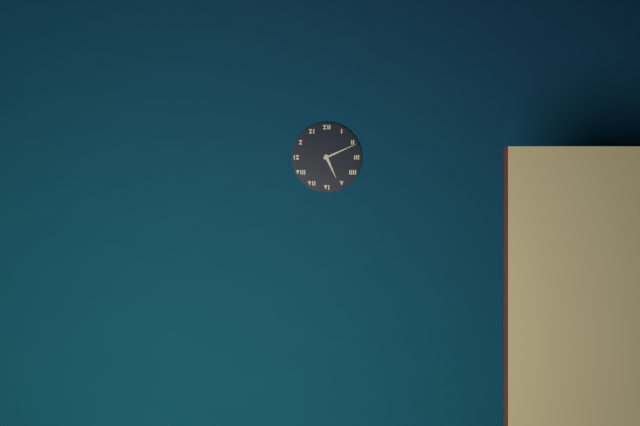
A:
5 h 11 min
